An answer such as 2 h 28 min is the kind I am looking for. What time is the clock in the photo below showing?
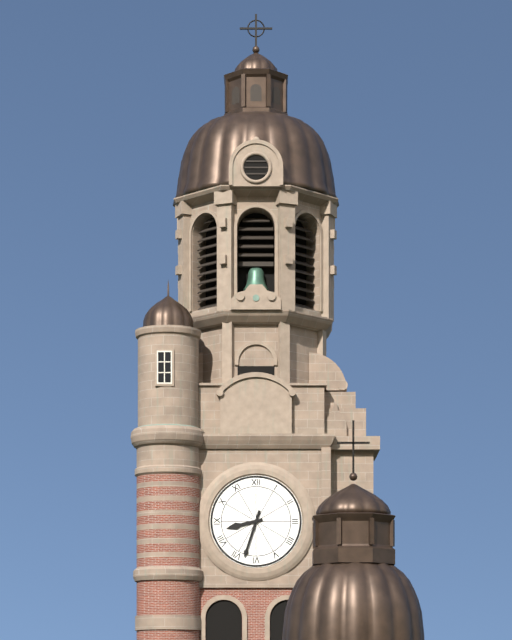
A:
8 h 33 min
